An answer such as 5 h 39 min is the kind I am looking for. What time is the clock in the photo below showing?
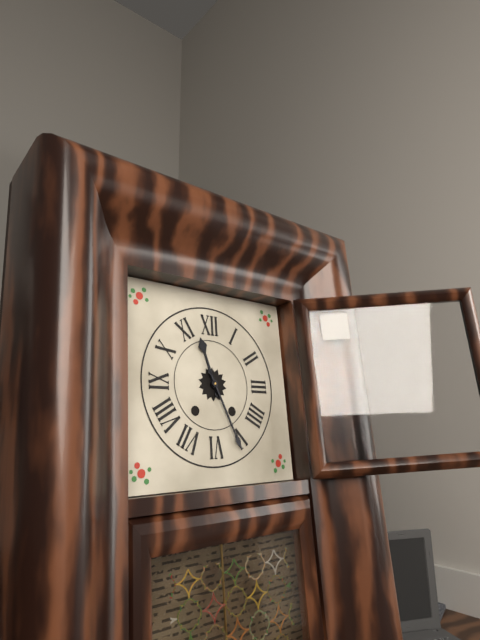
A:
11 h 26 min
